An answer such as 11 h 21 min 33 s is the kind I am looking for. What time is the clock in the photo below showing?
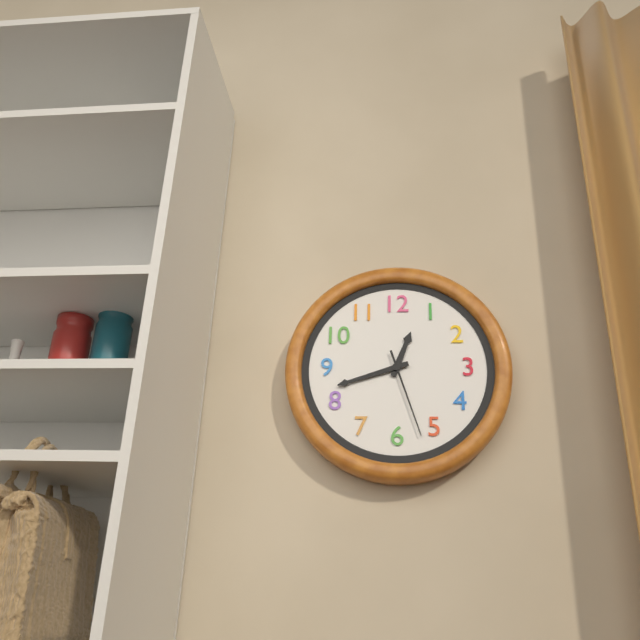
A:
12 h 42 min 27 s
